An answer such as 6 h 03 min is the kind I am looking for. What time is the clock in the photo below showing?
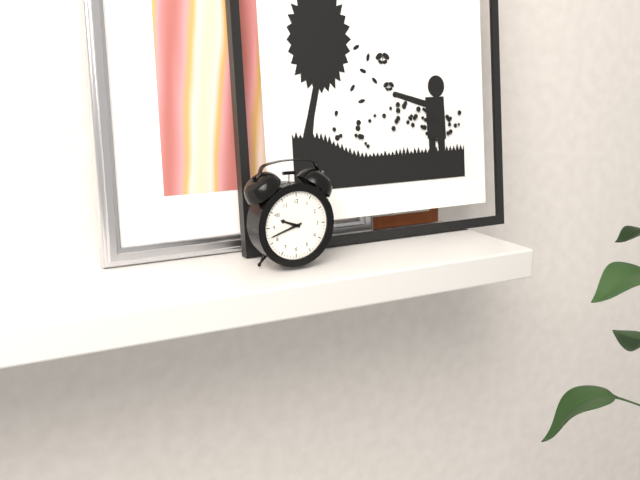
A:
9 h 42 min
